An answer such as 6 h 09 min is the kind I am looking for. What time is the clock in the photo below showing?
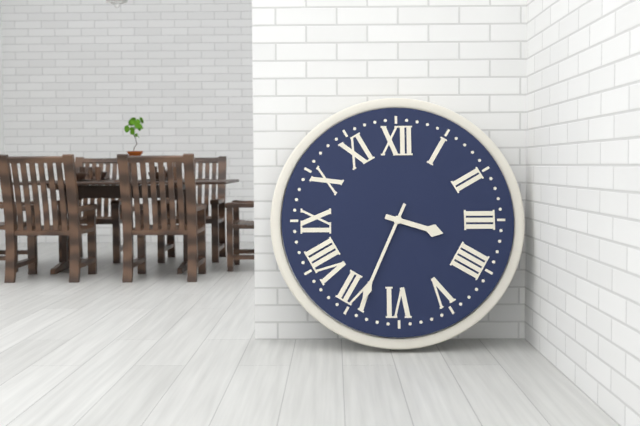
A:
3 h 34 min
